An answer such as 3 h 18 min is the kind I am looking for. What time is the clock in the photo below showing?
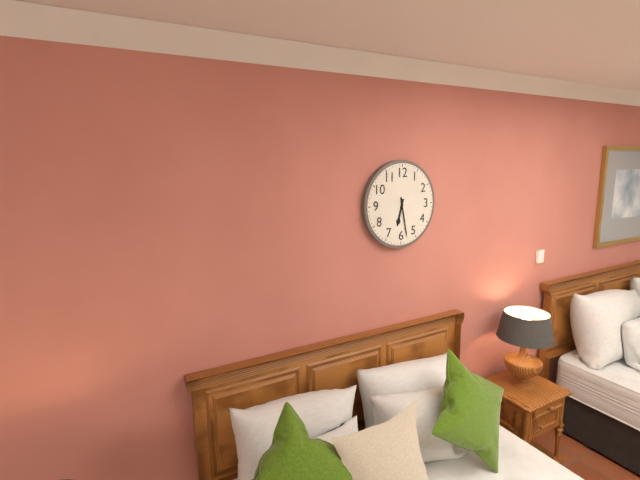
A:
6 h 28 min
